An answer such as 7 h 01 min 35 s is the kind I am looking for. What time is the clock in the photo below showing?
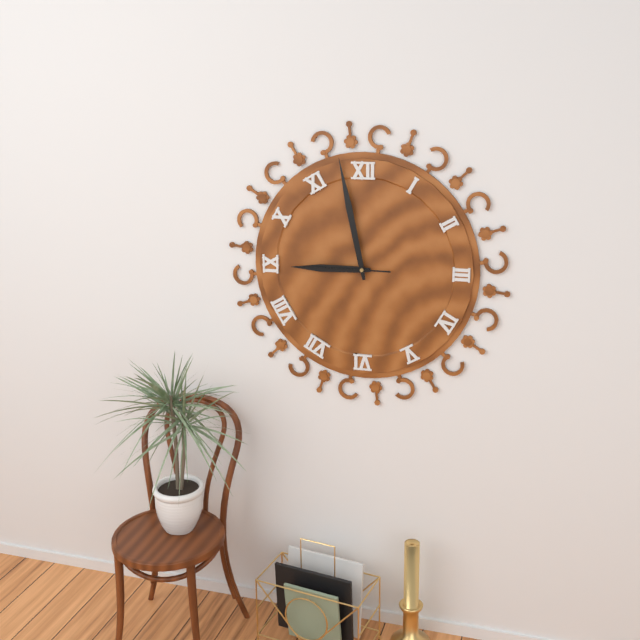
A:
8 h 58 min 45 s
